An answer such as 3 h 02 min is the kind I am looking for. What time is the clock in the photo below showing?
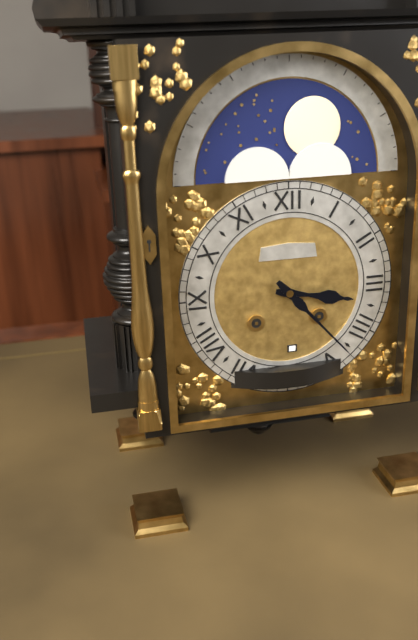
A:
3 h 23 min
